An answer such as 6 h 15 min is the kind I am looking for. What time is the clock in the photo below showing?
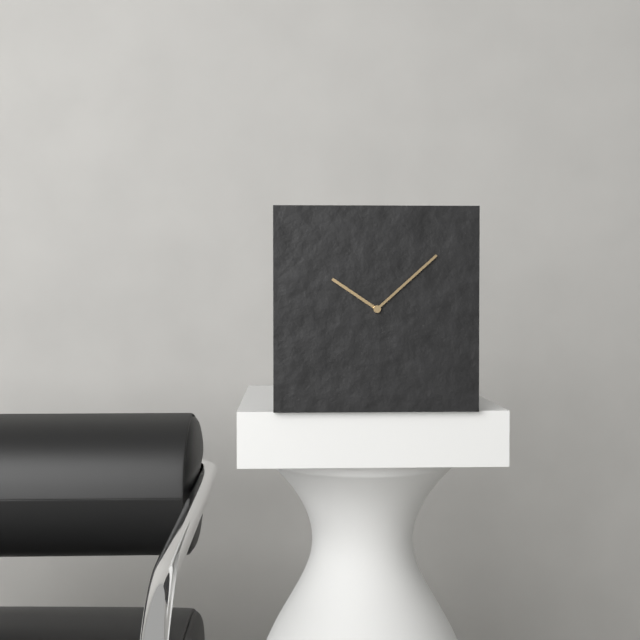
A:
10 h 08 min
